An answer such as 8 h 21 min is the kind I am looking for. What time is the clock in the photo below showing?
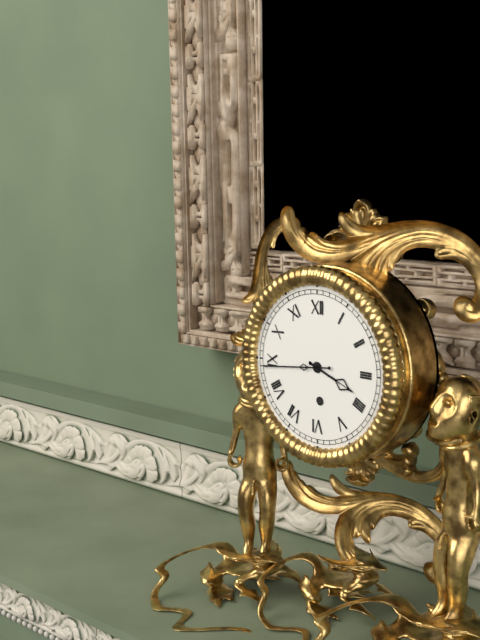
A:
3 h 44 min
